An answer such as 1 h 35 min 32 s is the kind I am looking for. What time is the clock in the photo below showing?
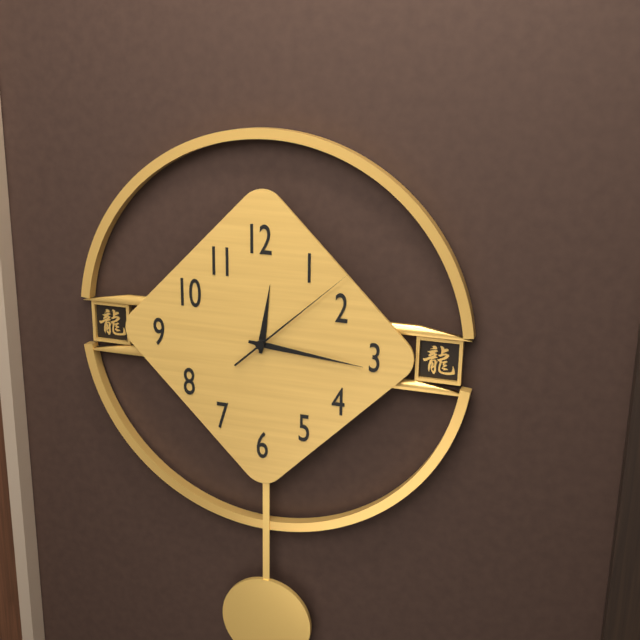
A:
12 h 16 min 08 s
